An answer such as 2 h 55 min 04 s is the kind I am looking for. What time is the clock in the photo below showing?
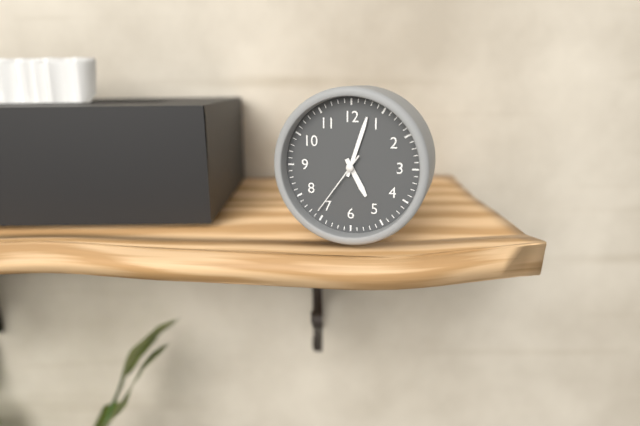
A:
5 h 03 min 36 s
